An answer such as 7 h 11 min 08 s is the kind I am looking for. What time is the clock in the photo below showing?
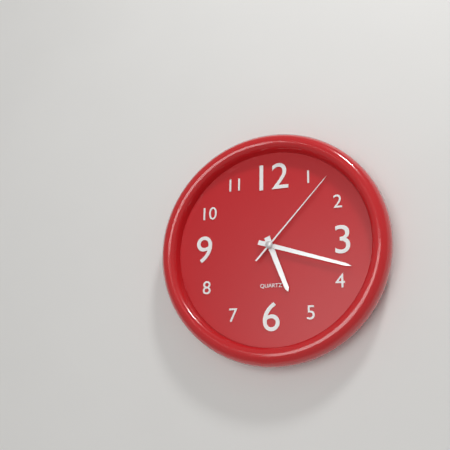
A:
5 h 18 min 07 s
